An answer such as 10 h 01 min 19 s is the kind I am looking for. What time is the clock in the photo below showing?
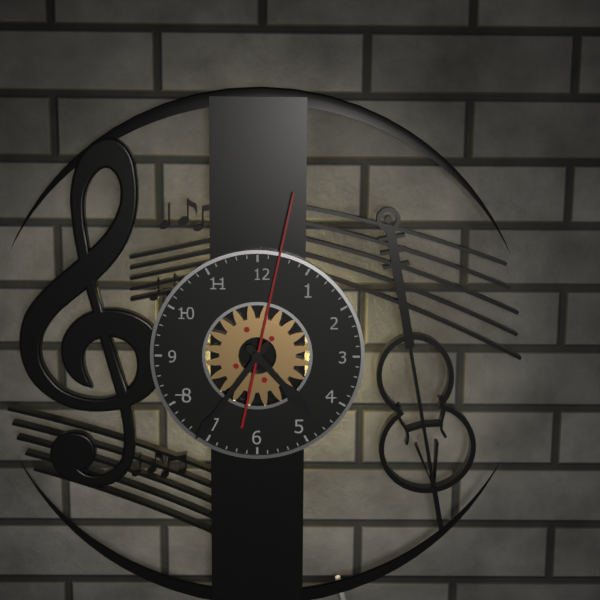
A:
4 h 36 min 02 s
